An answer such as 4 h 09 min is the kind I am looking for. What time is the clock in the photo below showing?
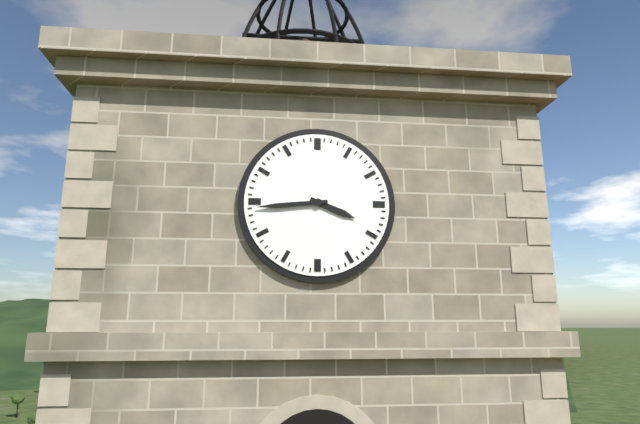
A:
3 h 44 min
